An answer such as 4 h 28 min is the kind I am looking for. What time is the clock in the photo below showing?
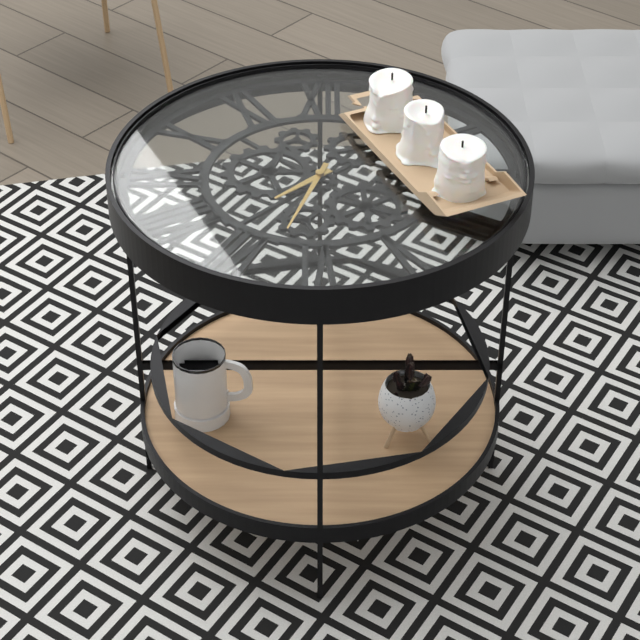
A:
7 h 33 min
